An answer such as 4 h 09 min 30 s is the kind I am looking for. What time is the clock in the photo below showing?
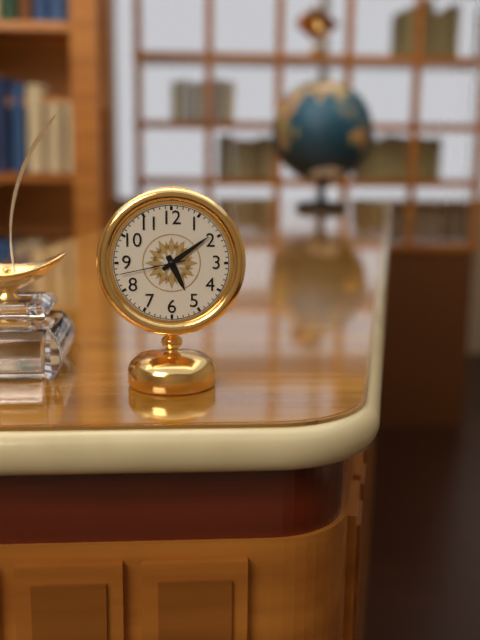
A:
5 h 09 min 43 s
